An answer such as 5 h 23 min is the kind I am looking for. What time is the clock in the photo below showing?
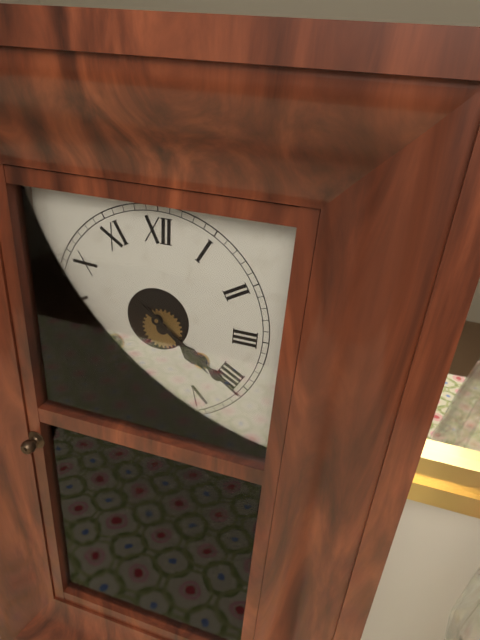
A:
4 h 21 min
